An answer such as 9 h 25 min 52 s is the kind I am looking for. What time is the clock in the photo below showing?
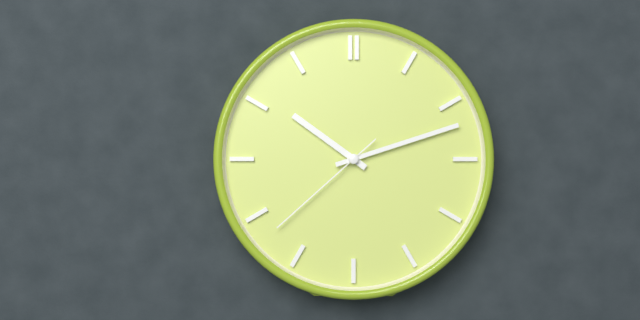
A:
10 h 12 min 38 s
